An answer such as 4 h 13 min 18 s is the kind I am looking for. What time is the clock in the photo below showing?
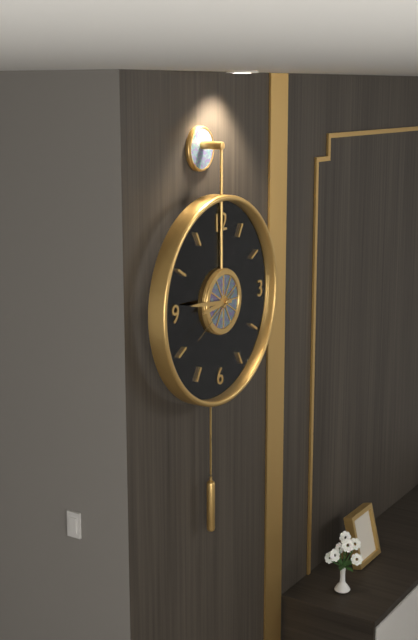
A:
8 h 46 min 40 s
